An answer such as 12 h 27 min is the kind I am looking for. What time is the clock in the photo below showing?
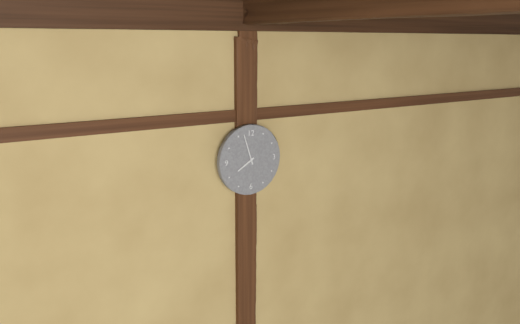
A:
7 h 57 min
